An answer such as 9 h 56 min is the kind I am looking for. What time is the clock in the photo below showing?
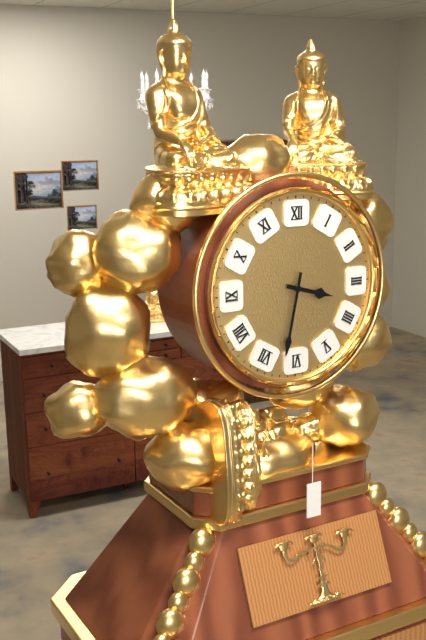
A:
3 h 32 min
